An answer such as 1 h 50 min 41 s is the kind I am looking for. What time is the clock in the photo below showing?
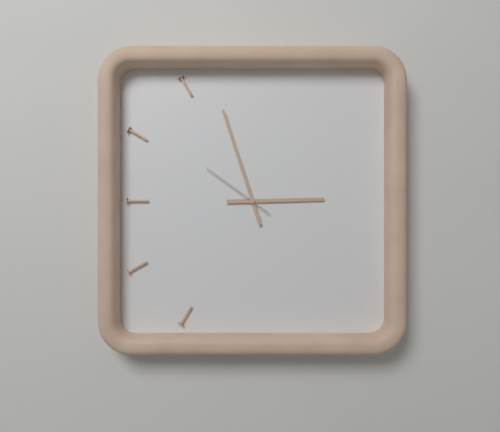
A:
2 h 57 min 51 s
